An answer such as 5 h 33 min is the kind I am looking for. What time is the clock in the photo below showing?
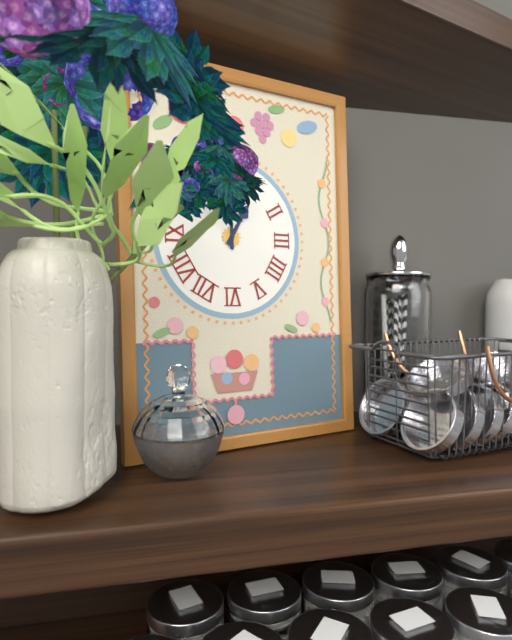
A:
1 h 00 min
